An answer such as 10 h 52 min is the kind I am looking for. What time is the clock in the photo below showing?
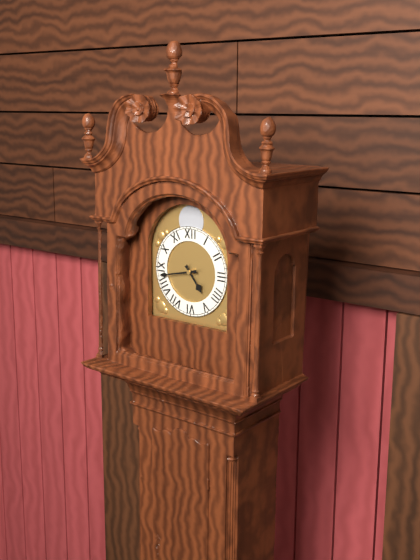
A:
4 h 43 min
